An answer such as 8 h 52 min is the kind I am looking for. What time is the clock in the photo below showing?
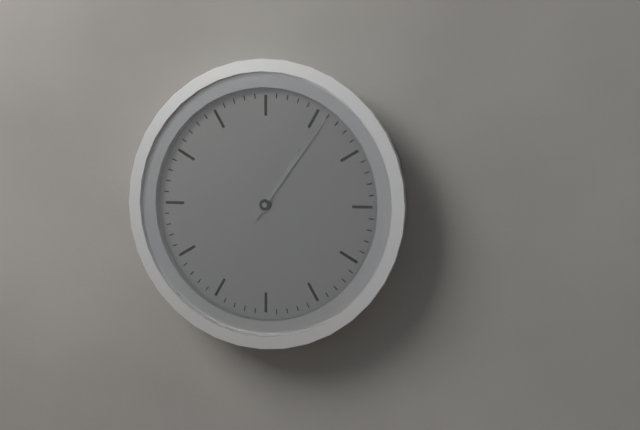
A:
1 h 06 min
